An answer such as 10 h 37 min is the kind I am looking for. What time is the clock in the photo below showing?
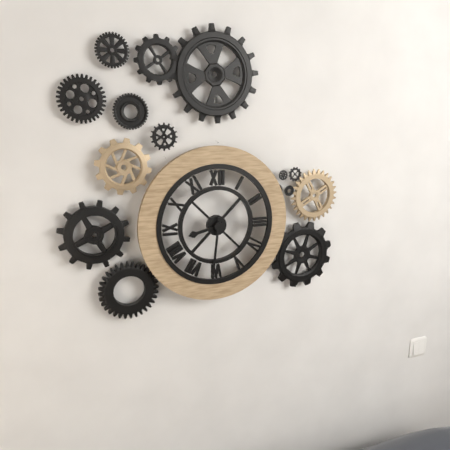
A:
8 h 31 min
